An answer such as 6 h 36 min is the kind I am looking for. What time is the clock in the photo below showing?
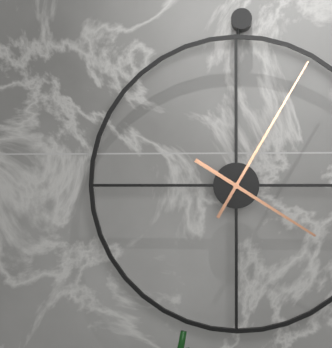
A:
4 h 05 min
